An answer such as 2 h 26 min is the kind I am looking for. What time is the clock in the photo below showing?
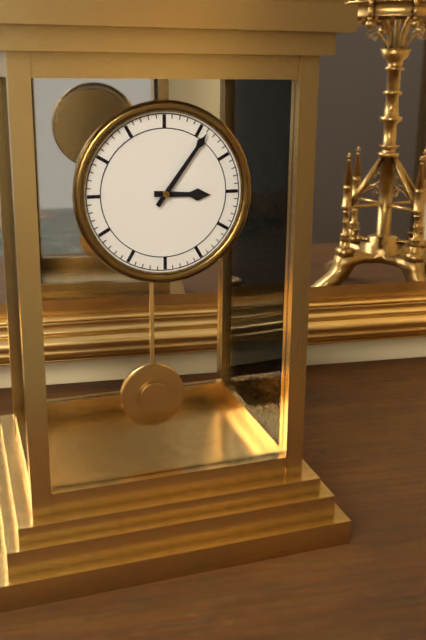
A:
3 h 06 min
